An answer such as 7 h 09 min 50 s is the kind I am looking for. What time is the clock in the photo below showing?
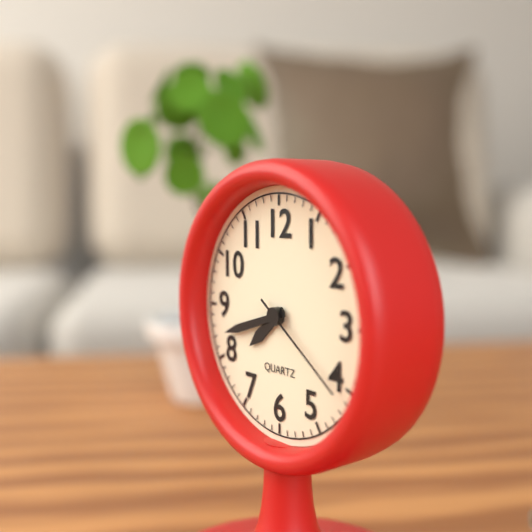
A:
7 h 42 min 21 s
